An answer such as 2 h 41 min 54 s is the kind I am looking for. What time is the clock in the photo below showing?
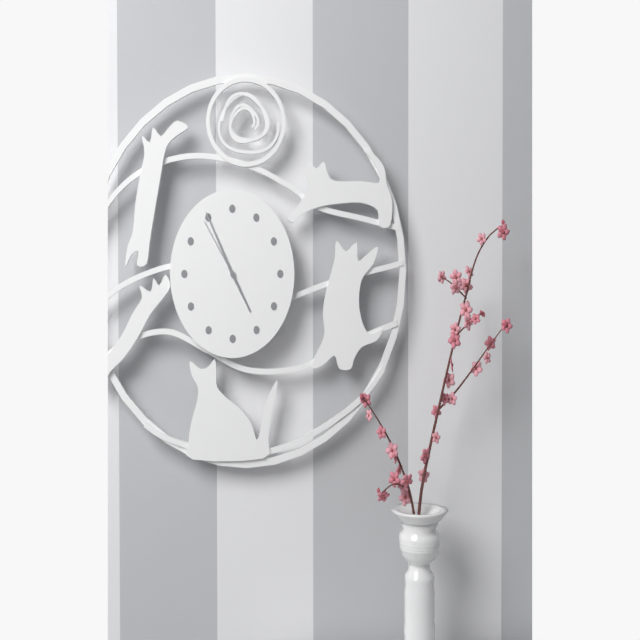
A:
4 h 55 min 54 s
